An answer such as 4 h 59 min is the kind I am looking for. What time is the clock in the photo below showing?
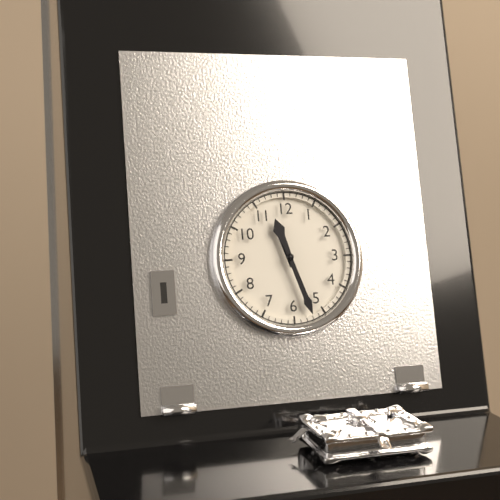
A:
11 h 27 min
